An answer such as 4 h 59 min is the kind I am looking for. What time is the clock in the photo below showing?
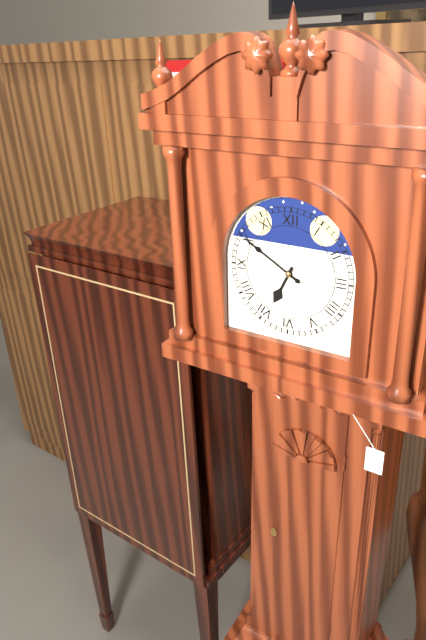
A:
6 h 50 min
